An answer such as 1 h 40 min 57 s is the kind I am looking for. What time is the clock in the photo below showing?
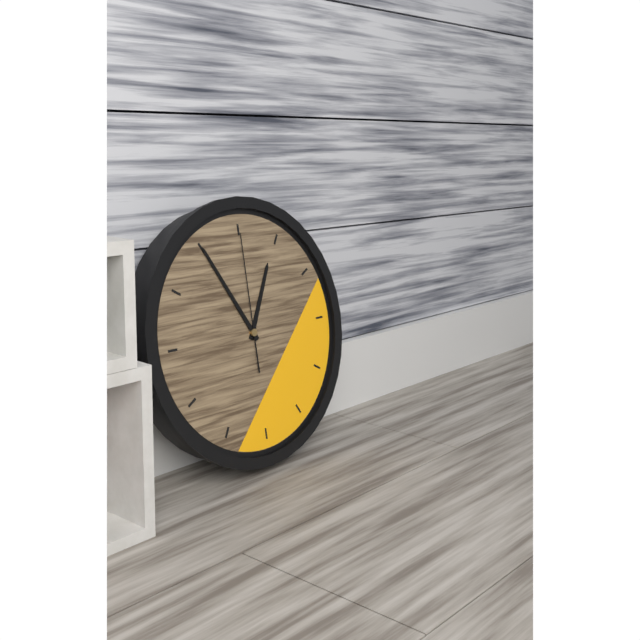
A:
12 h 55 min 00 s
